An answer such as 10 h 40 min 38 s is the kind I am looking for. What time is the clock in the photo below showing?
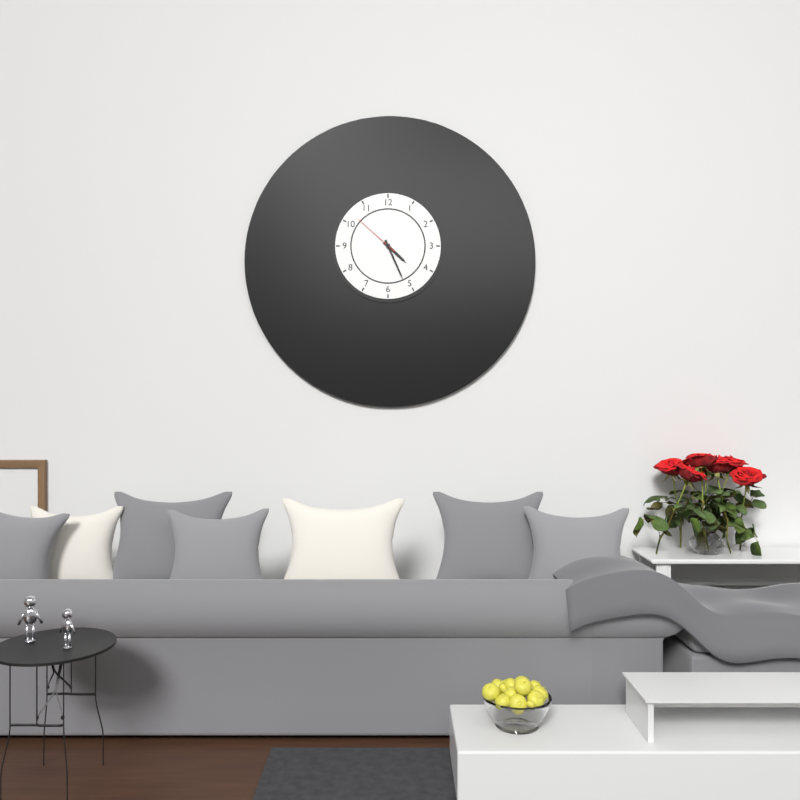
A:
4 h 26 min 52 s
